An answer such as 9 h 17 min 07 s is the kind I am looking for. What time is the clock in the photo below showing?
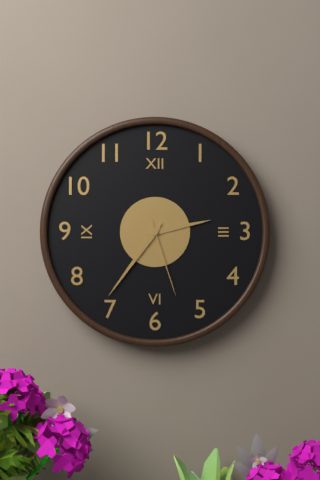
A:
2 h 36 min 27 s
